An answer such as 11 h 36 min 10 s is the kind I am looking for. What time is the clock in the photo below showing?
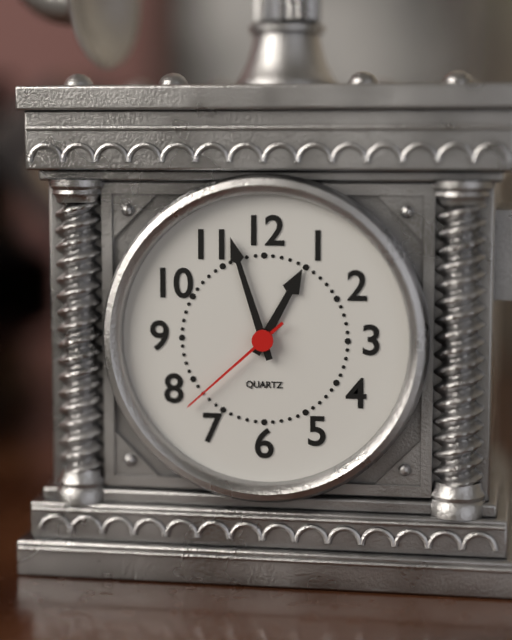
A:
12 h 57 min 38 s
